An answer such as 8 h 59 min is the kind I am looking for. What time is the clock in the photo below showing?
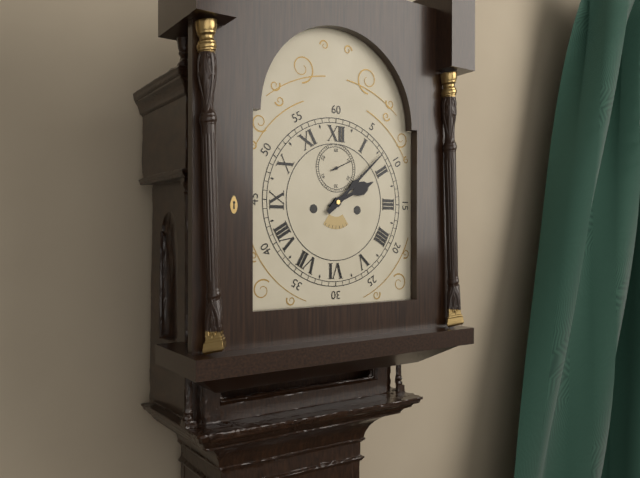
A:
2 h 08 min
